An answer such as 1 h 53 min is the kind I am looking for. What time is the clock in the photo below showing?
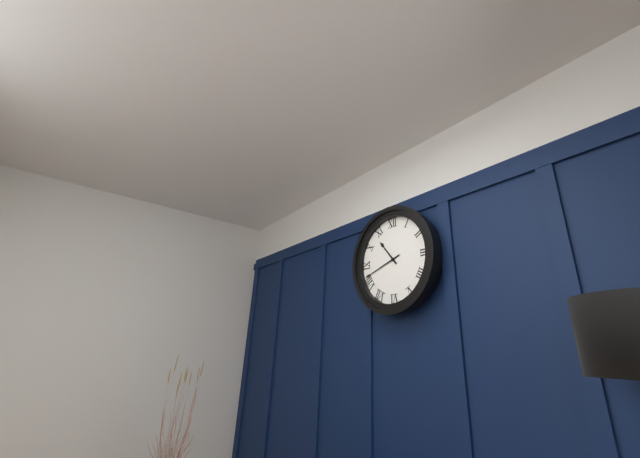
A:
10 h 42 min
